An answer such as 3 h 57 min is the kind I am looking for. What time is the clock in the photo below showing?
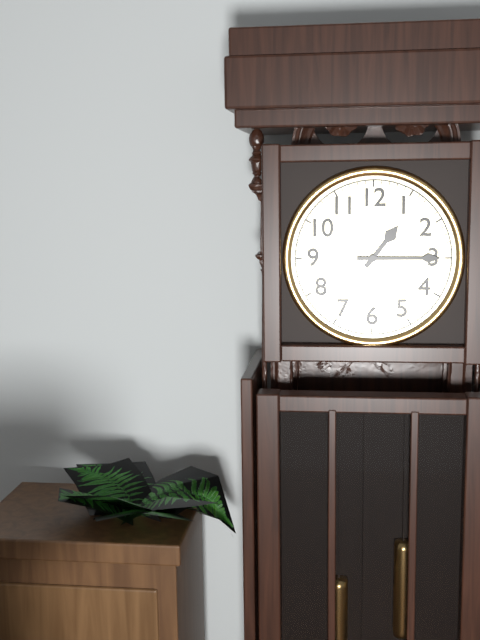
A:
1 h 15 min
